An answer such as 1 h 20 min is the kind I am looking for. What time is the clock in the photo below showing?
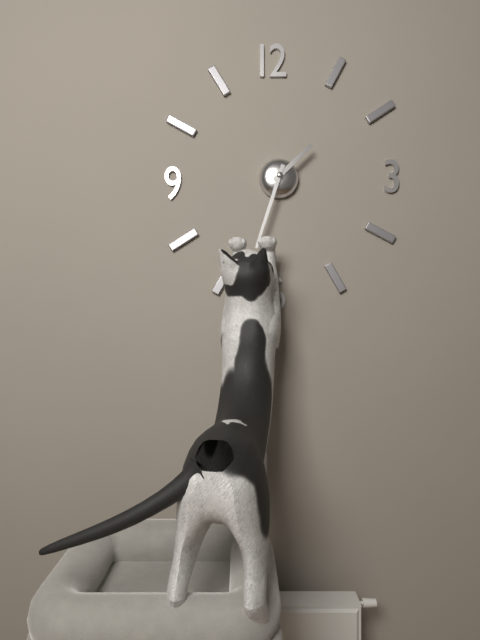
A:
1 h 33 min
